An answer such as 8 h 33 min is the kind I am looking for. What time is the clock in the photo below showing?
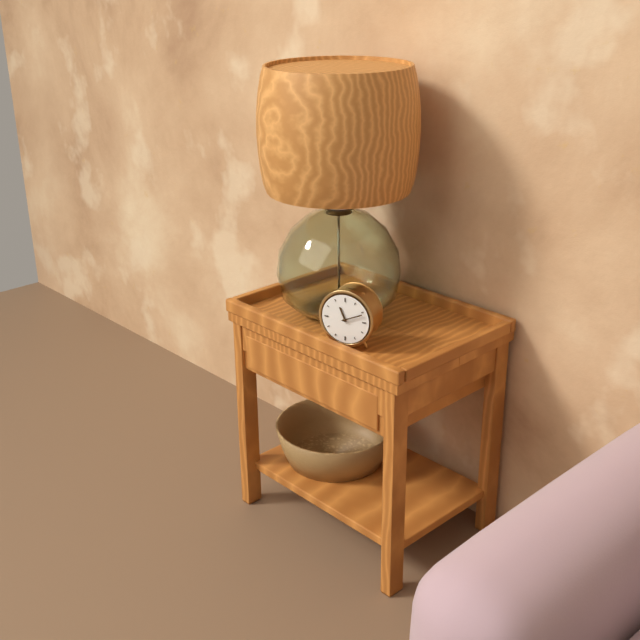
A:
11 h 11 min
